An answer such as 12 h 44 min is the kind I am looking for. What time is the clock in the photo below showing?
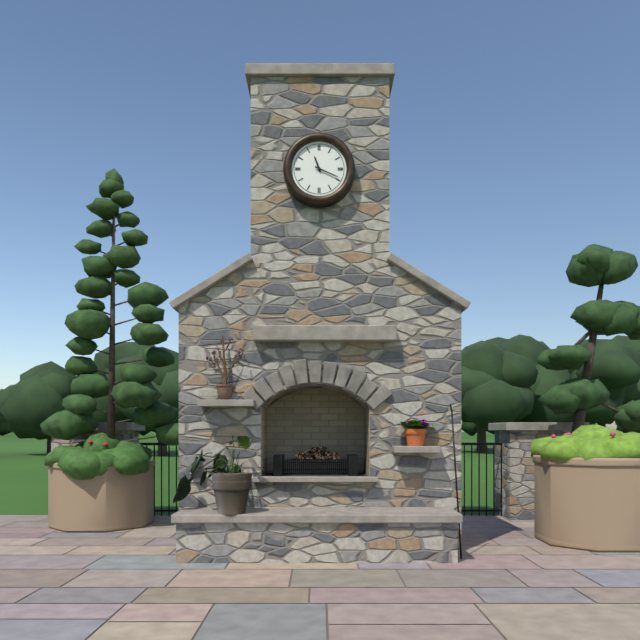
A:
11 h 19 min
